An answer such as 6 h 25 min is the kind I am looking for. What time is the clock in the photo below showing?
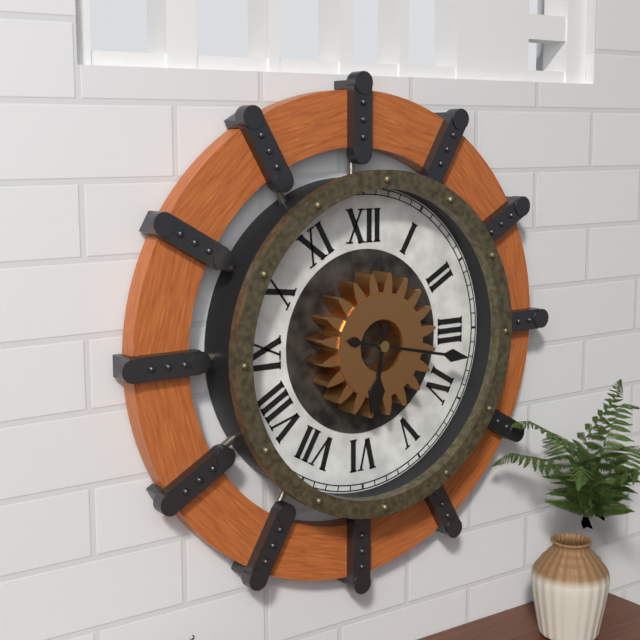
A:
6 h 17 min
